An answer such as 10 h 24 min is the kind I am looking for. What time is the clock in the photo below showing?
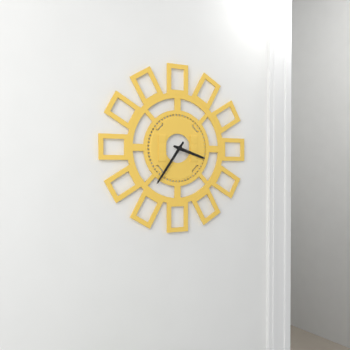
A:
3 h 36 min
